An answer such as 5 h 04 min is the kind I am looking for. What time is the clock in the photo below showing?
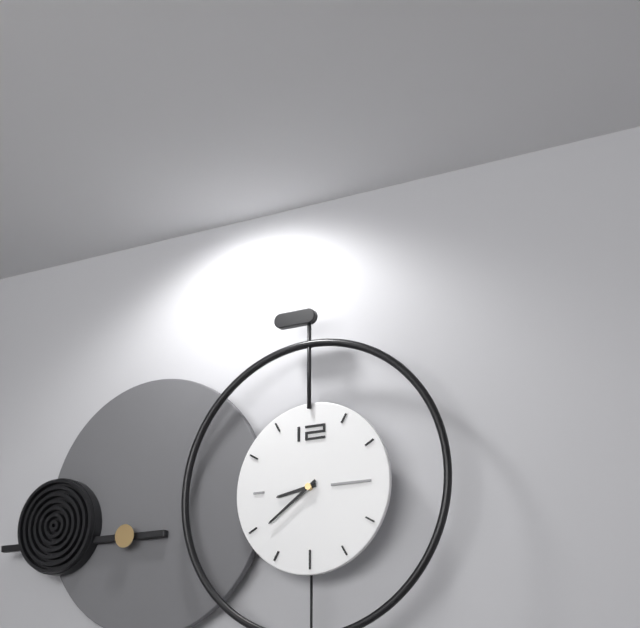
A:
8 h 39 min
